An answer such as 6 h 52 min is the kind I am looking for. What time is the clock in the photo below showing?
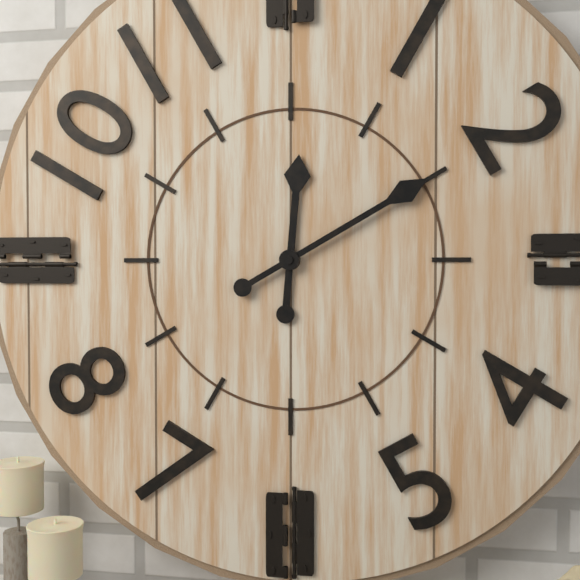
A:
12 h 10 min
